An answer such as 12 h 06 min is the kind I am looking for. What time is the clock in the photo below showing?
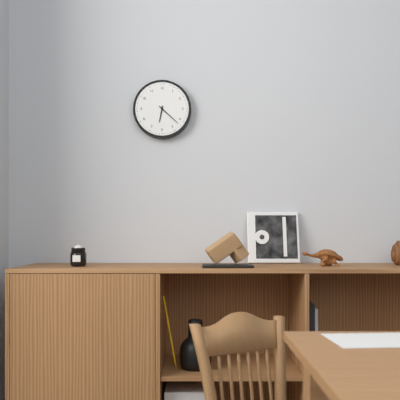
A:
6 h 22 min
